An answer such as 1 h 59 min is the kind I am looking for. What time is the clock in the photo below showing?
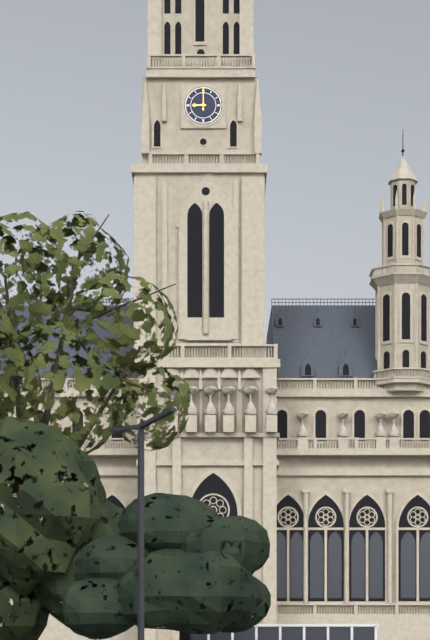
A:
9 h 00 min
